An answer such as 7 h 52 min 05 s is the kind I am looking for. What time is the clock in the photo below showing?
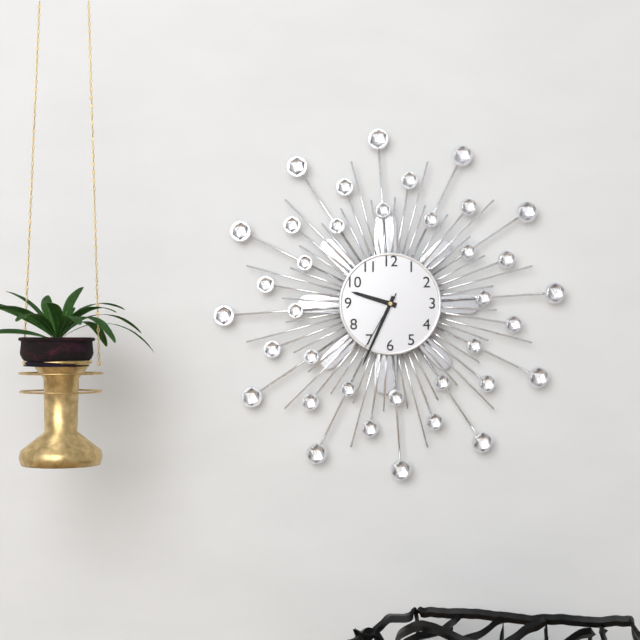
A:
9 h 34 min 35 s
